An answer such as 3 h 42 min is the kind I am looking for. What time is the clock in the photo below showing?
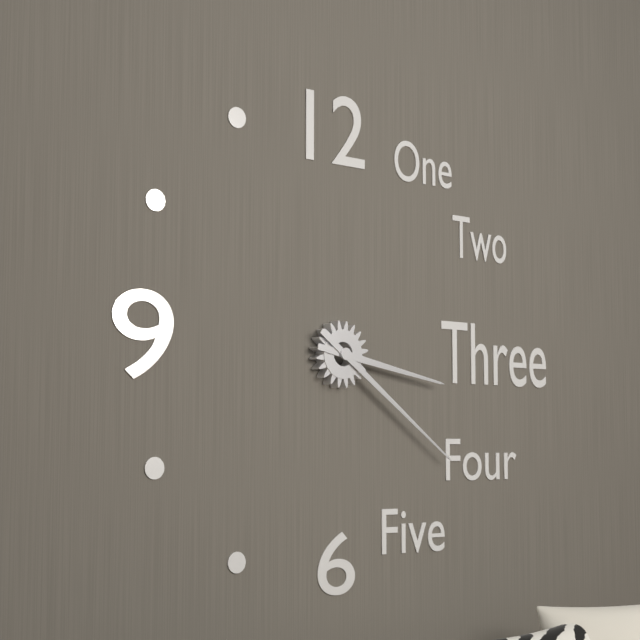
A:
3 h 21 min
